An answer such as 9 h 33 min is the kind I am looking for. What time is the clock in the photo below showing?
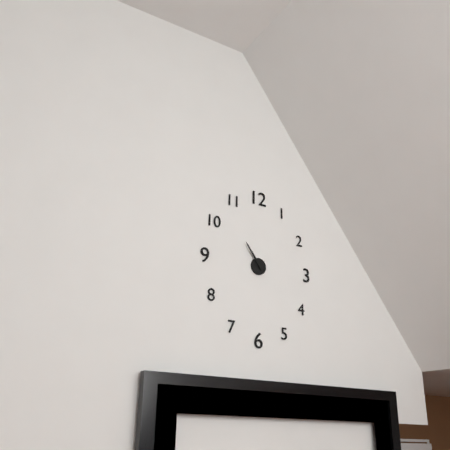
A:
10 h 54 min
